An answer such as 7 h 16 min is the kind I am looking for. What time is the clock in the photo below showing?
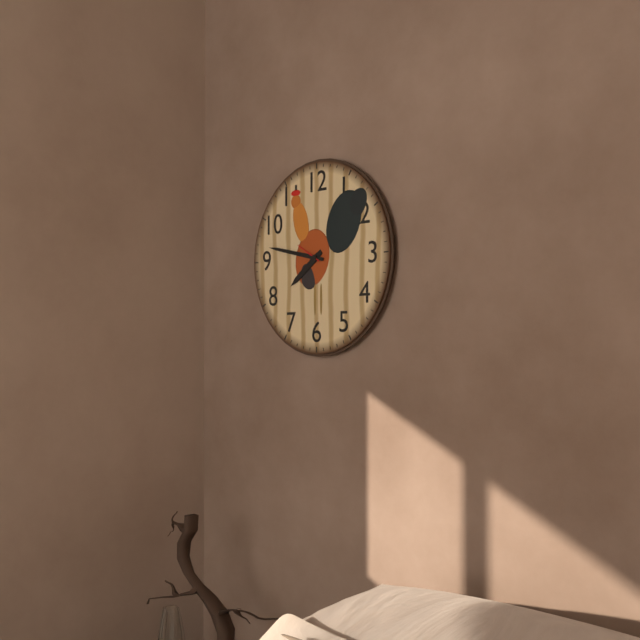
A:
7 h 47 min
